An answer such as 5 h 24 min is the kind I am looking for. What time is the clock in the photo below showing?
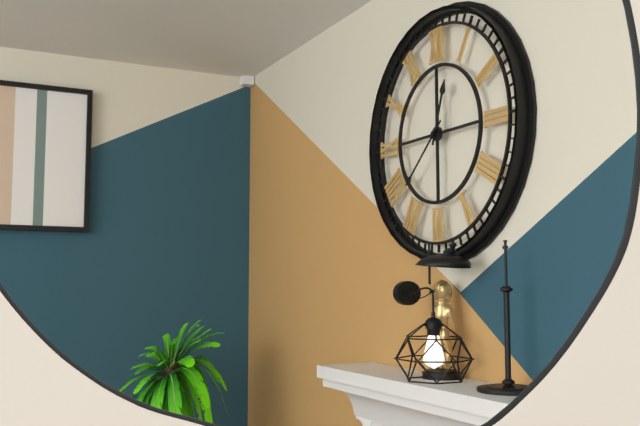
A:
12 h 38 min
